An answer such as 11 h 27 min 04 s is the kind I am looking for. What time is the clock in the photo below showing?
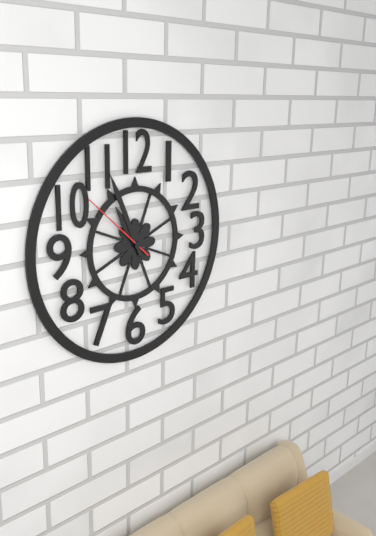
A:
10 h 56 min 52 s
